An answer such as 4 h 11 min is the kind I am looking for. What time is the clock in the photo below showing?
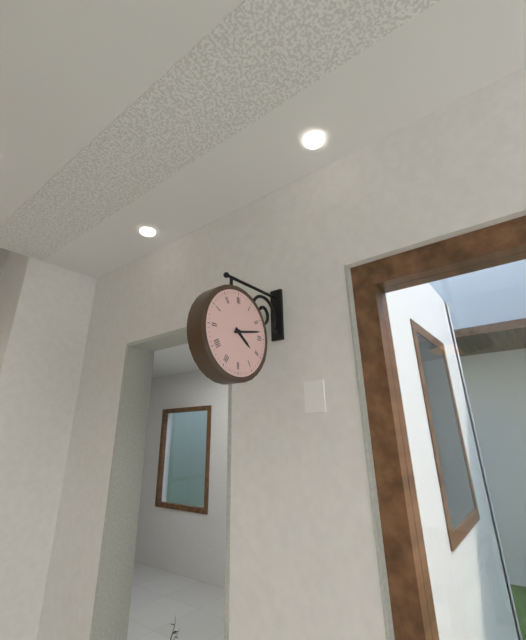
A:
4 h 13 min
